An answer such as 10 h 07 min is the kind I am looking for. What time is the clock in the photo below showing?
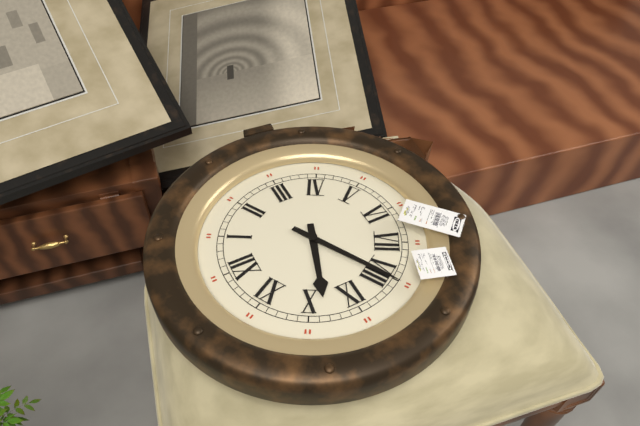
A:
9 h 40 min
